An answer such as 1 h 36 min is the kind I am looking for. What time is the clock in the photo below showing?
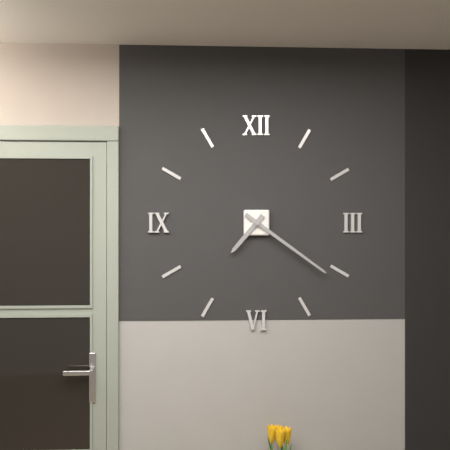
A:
7 h 21 min
